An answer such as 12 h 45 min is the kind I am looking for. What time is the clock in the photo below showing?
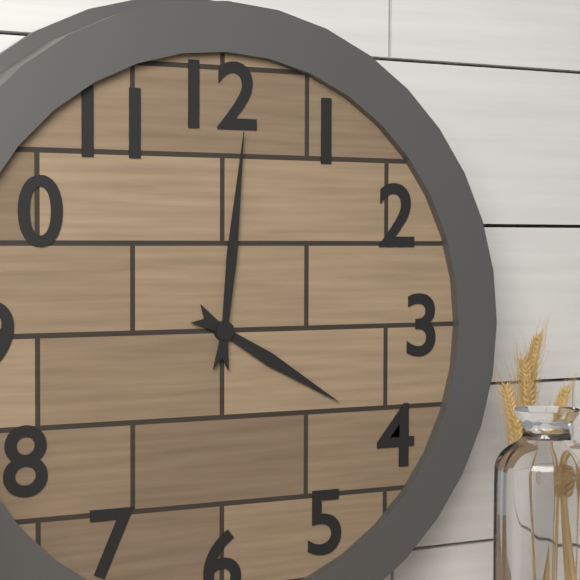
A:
4 h 01 min
